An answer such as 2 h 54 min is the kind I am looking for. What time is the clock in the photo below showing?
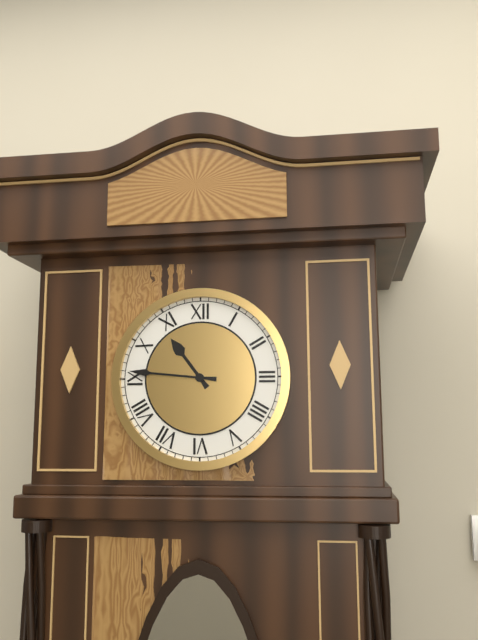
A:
10 h 46 min
